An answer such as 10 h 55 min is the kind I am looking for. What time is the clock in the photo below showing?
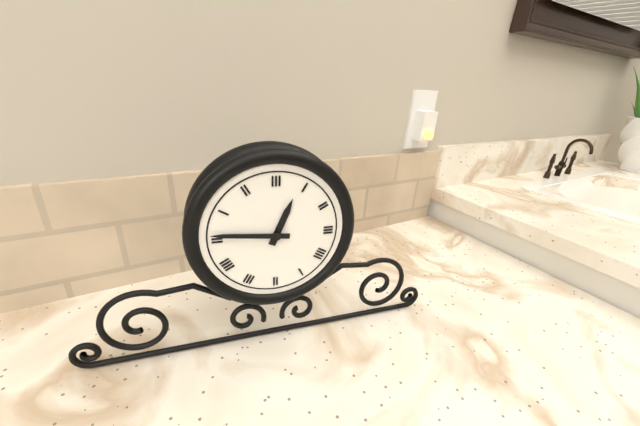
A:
12 h 46 min
